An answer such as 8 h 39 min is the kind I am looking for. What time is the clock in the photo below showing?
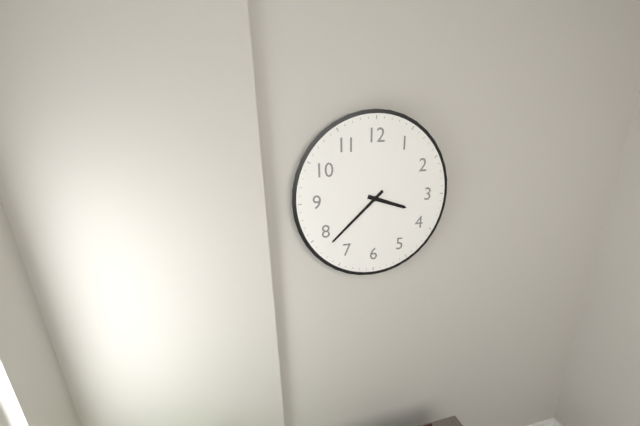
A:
3 h 38 min
